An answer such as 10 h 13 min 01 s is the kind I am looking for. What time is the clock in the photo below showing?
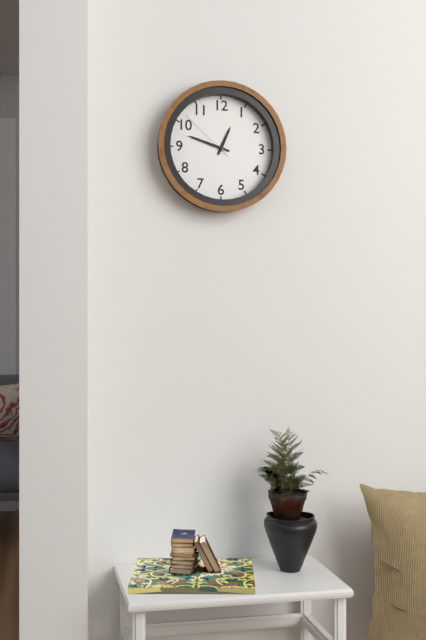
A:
12 h 48 min 52 s
